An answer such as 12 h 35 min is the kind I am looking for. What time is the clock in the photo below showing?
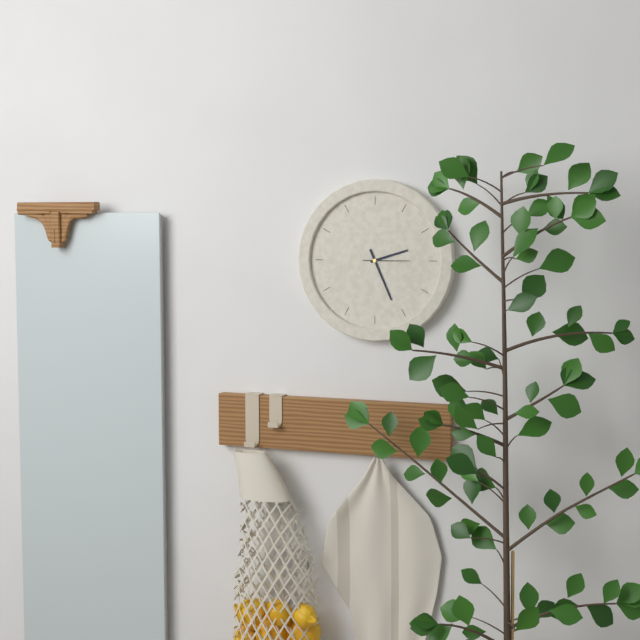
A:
2 h 26 min
